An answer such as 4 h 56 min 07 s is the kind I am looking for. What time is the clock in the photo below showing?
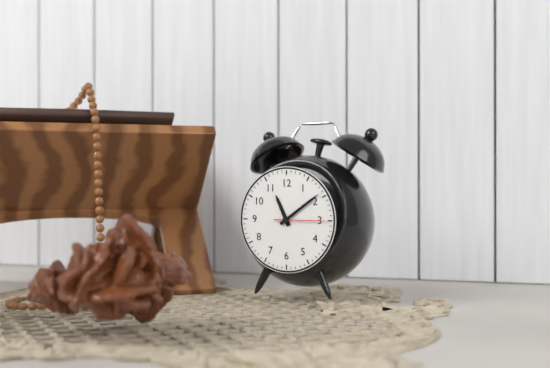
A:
11 h 09 min 15 s
